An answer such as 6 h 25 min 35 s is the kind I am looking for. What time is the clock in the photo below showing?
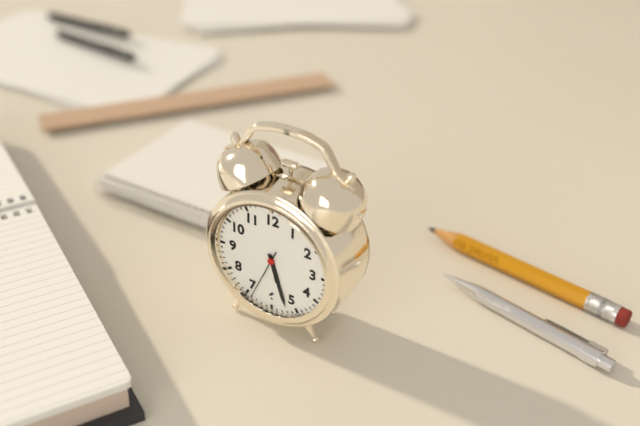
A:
5 h 27 min 34 s
